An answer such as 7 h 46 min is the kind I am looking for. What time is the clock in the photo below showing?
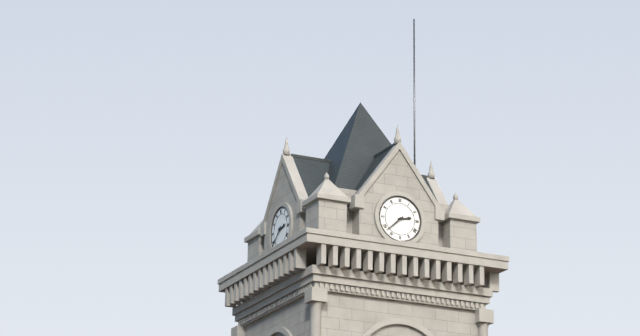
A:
2 h 38 min
